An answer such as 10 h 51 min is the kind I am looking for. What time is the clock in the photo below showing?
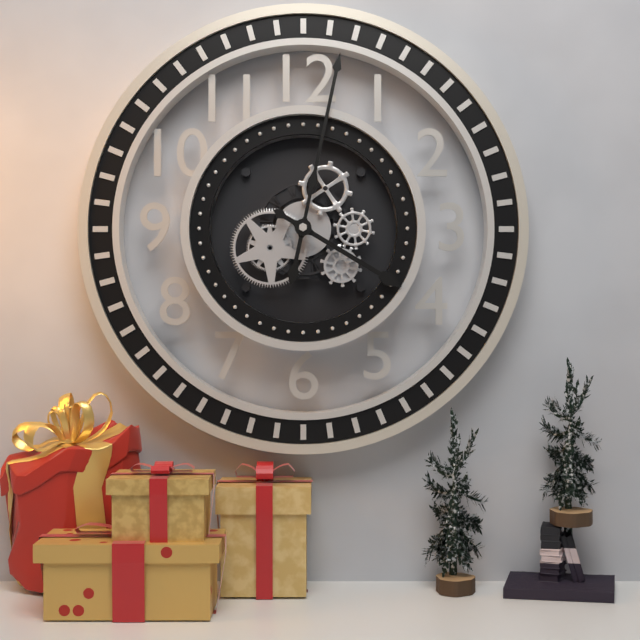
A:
4 h 02 min
